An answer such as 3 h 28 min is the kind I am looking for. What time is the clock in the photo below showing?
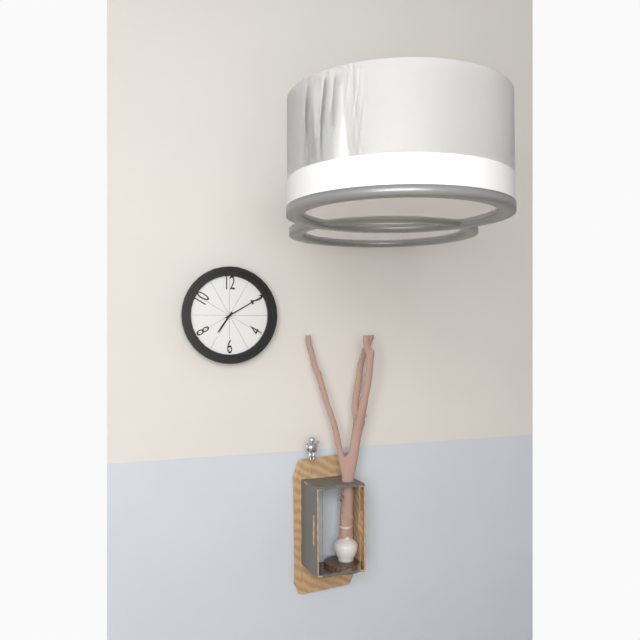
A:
7 h 10 min
